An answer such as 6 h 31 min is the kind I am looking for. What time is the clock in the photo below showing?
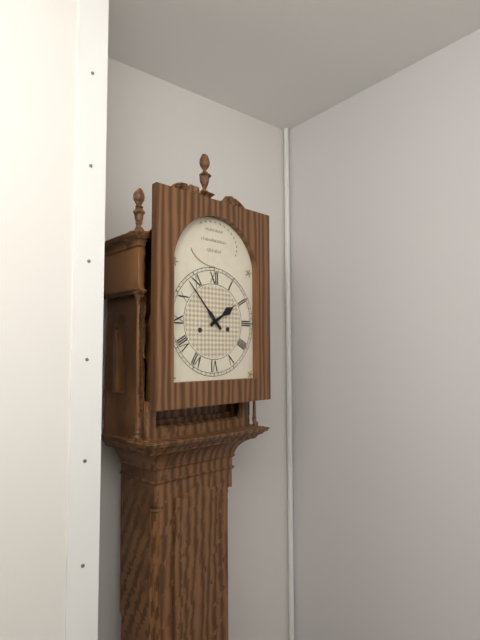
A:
1 h 53 min
